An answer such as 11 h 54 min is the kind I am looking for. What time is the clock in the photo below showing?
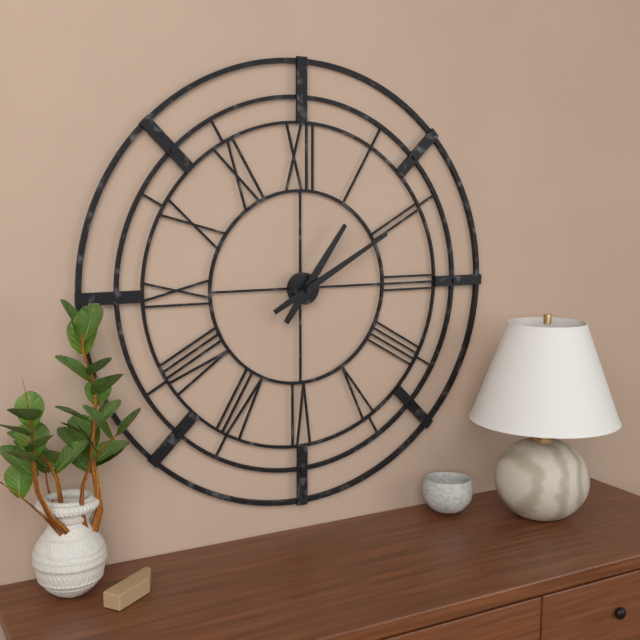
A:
1 h 10 min
